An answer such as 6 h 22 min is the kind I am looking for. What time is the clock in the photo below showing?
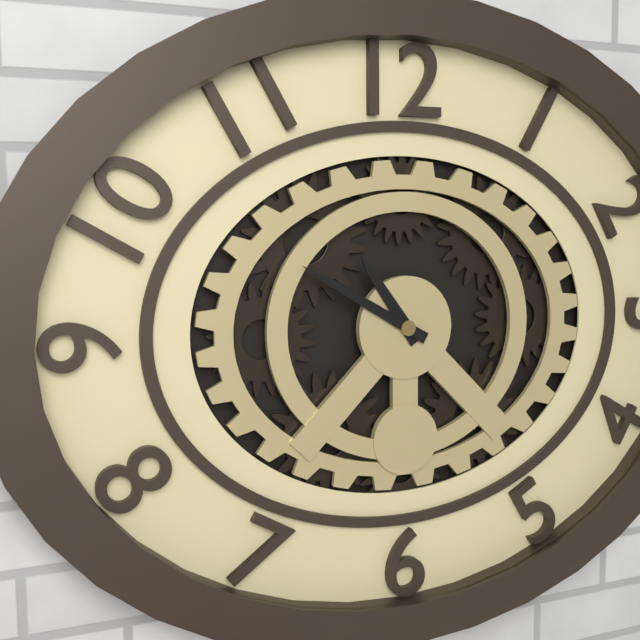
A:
10 h 50 min
